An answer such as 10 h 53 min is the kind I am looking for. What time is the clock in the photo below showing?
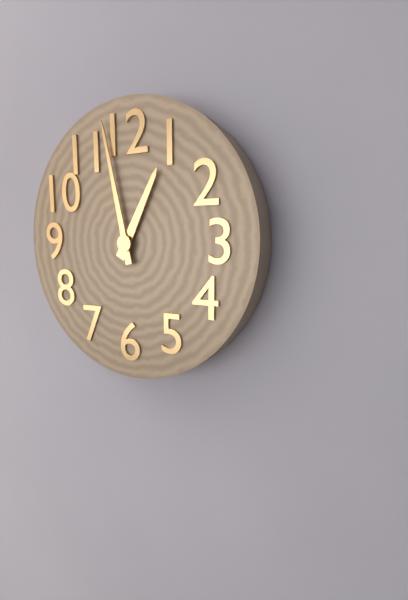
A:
12 h 58 min
